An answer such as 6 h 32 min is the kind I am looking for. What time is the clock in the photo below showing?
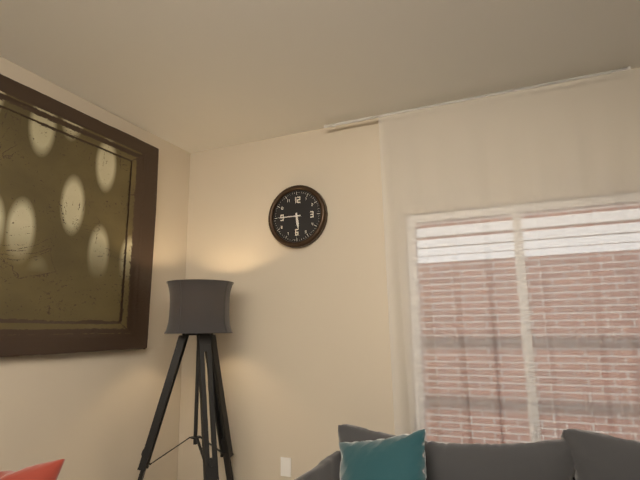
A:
5 h 45 min
